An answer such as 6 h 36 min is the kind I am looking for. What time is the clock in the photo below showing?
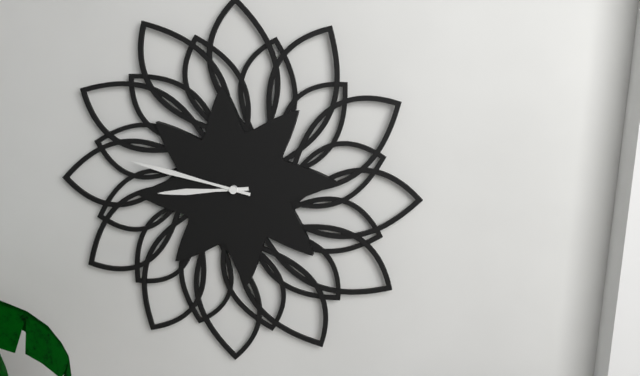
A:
8 h 47 min
